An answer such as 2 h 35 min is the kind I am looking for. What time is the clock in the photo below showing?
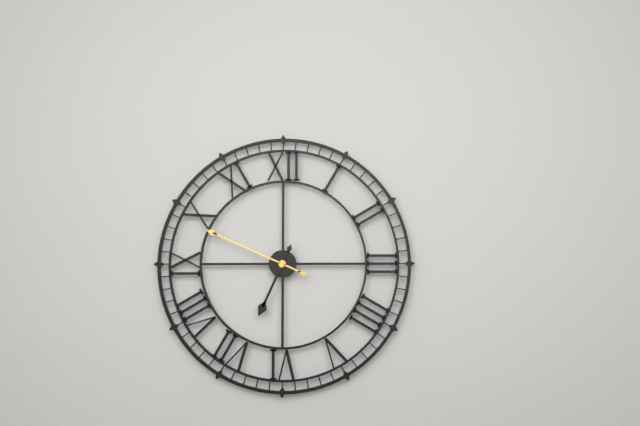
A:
6 h 49 min
